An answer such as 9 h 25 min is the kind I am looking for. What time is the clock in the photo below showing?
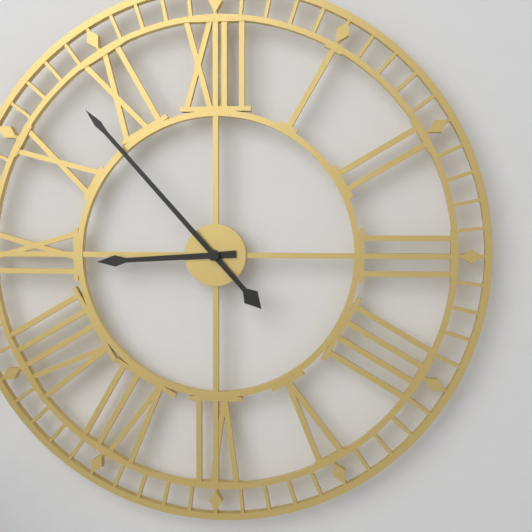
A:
8 h 53 min
